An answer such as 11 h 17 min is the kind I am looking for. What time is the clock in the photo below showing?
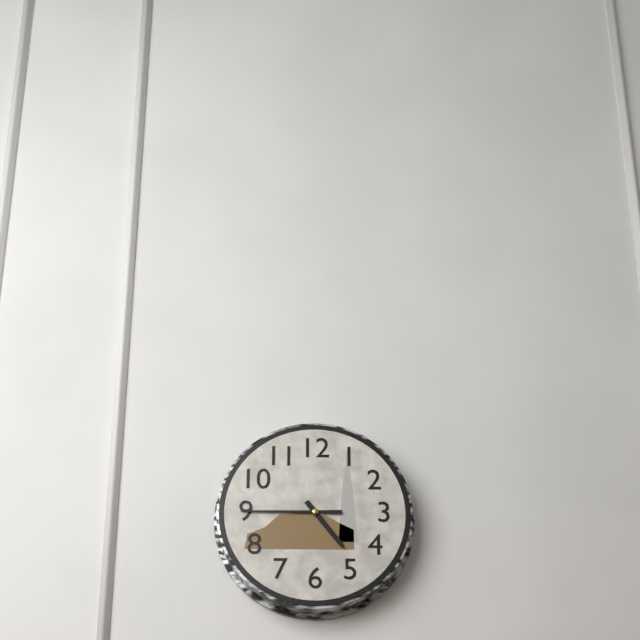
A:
4 h 45 min
